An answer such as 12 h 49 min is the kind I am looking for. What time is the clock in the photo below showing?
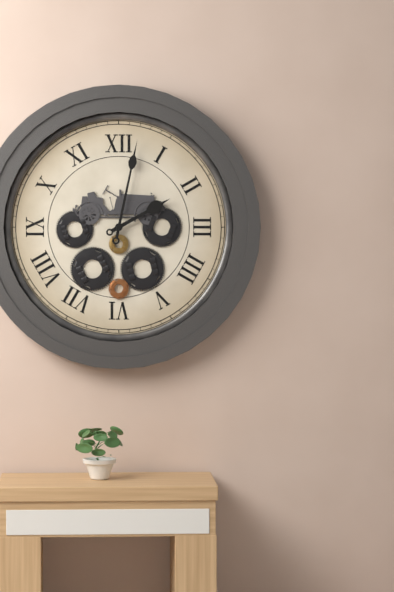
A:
2 h 02 min
